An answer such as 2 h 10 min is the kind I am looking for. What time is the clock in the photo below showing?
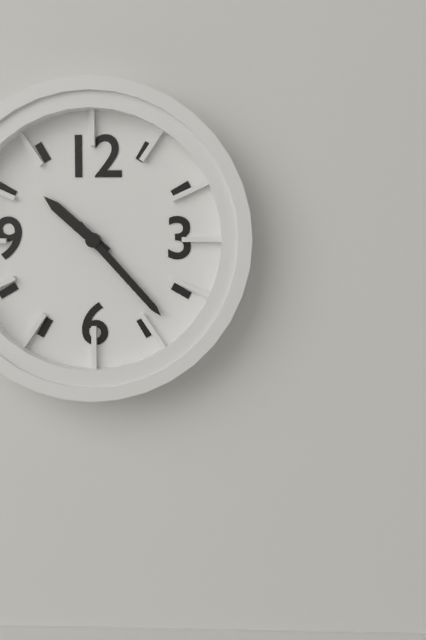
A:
10 h 23 min
